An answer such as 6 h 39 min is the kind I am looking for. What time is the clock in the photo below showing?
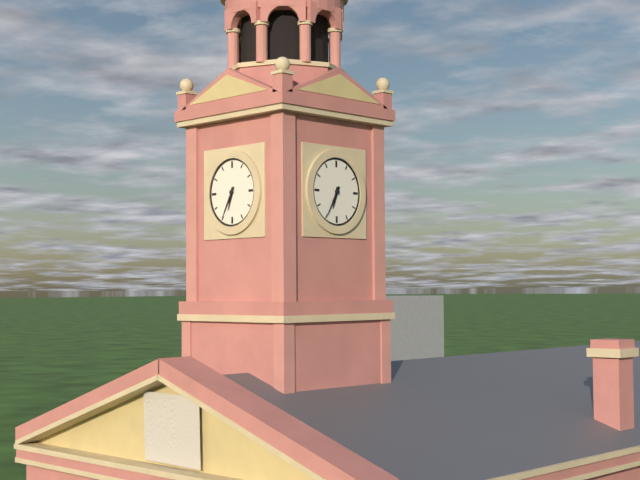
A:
6 h 35 min
